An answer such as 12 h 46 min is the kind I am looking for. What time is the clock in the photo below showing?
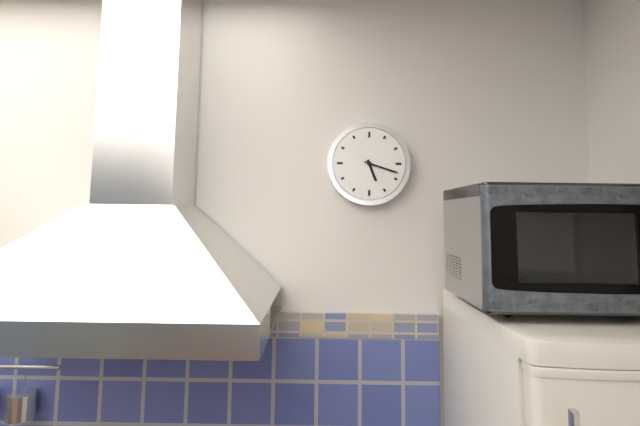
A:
5 h 18 min
